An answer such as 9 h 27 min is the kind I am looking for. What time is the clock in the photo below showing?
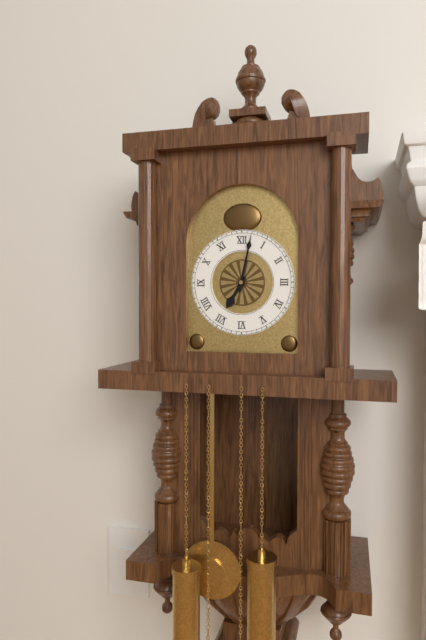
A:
7 h 02 min
